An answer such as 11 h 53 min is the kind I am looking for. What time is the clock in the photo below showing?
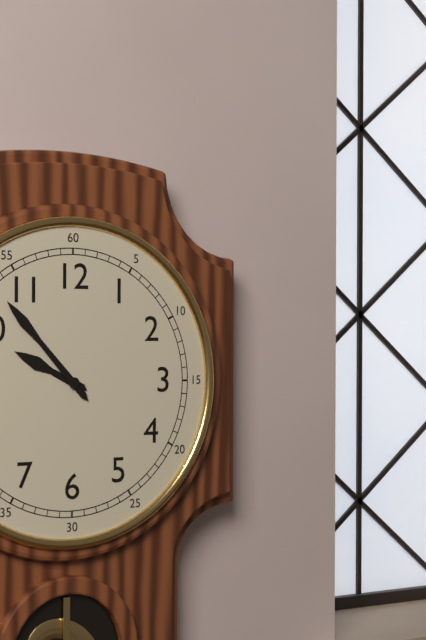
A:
9 h 53 min
